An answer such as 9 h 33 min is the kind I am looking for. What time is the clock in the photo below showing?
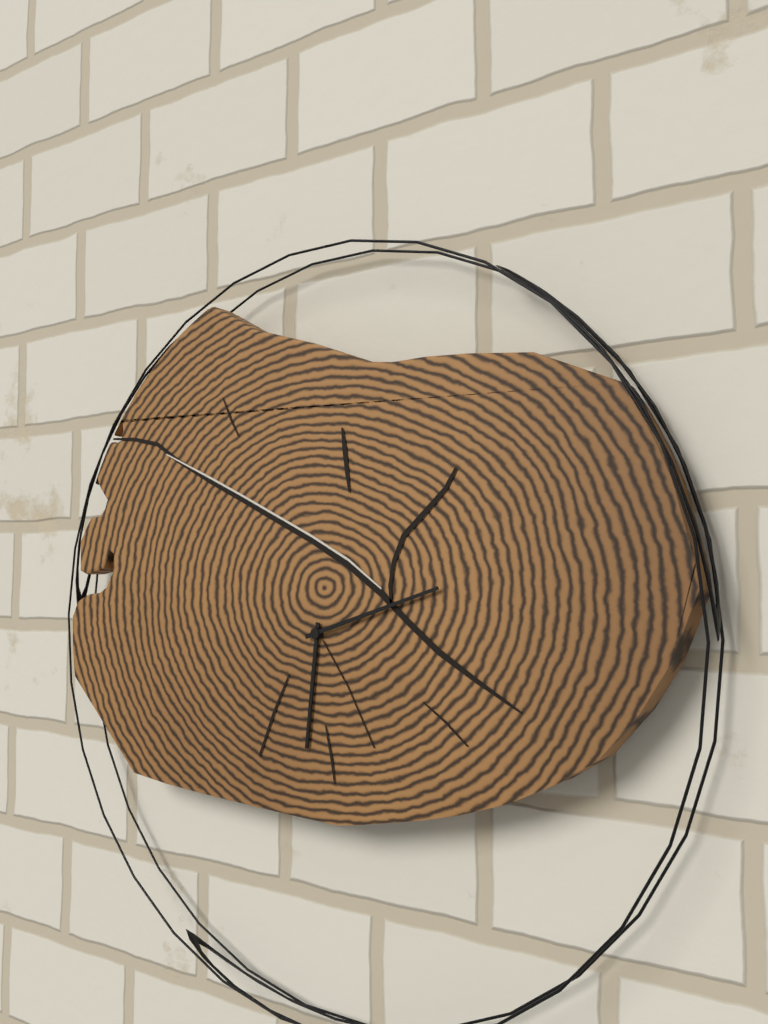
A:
6 h 12 min
